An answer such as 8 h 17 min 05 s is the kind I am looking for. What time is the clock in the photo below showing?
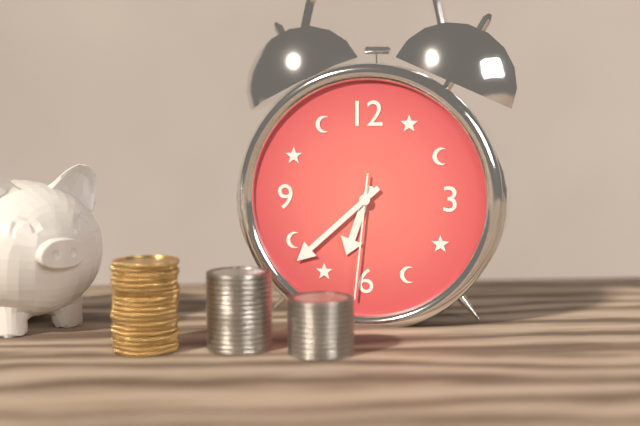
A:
6 h 38 min 31 s
